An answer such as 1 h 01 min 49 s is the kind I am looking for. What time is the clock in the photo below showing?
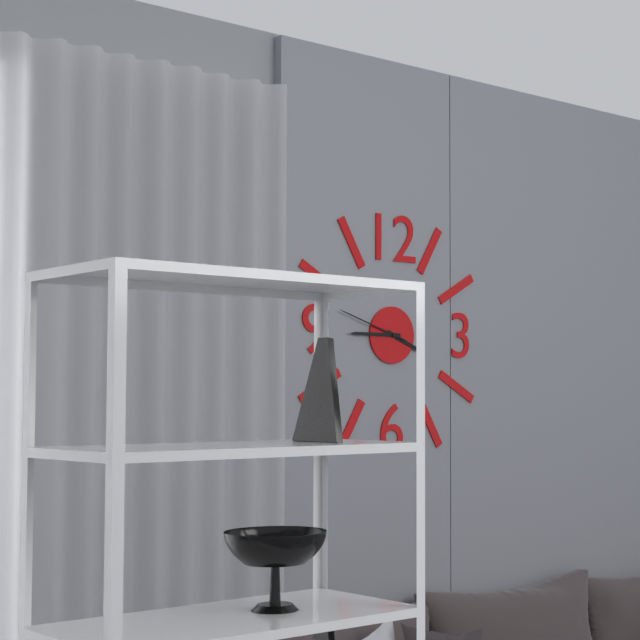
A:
3 h 45 min 48 s
